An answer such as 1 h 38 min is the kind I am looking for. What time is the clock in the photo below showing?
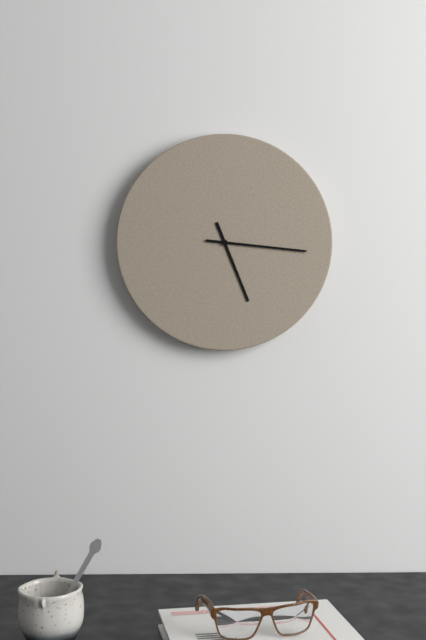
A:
5 h 16 min
